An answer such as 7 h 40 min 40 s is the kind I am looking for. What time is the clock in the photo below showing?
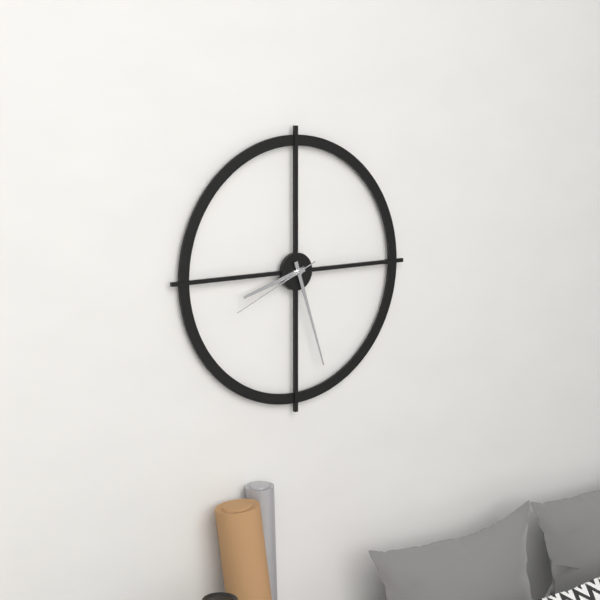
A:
8 h 27 min 41 s
